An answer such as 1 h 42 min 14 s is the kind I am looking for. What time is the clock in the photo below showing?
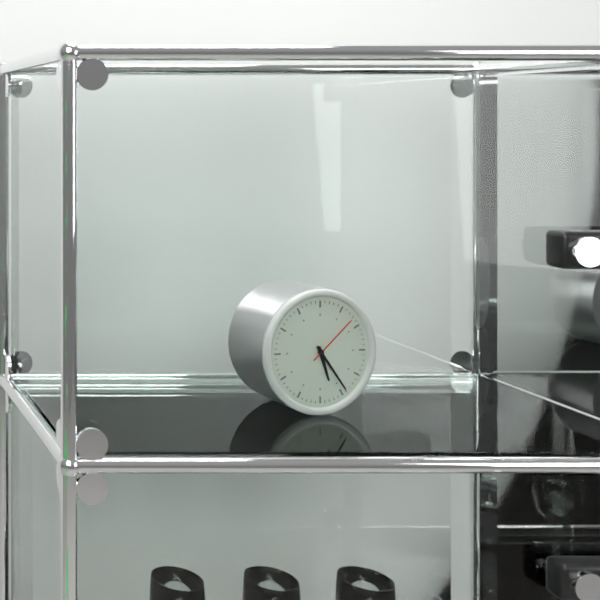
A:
5 h 24 min 08 s
